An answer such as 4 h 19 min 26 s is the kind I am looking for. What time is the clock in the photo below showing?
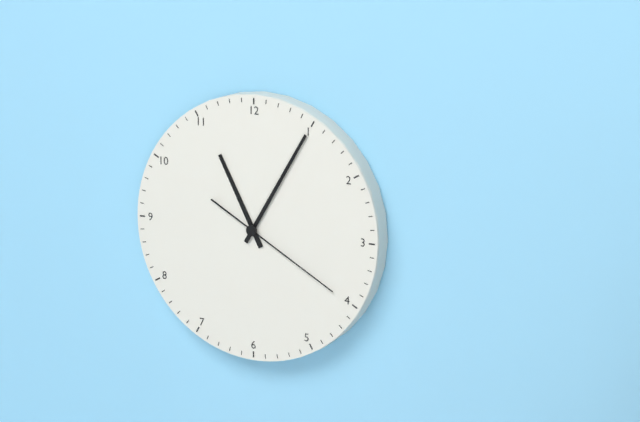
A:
11 h 05 min 20 s
